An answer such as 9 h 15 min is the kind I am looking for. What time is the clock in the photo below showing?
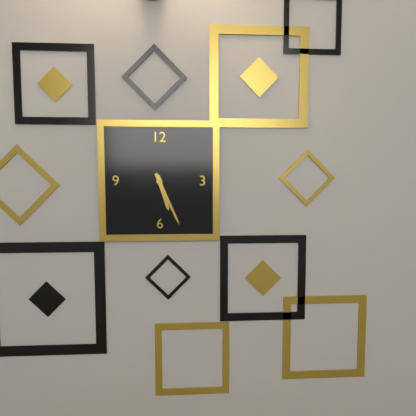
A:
5 h 26 min
